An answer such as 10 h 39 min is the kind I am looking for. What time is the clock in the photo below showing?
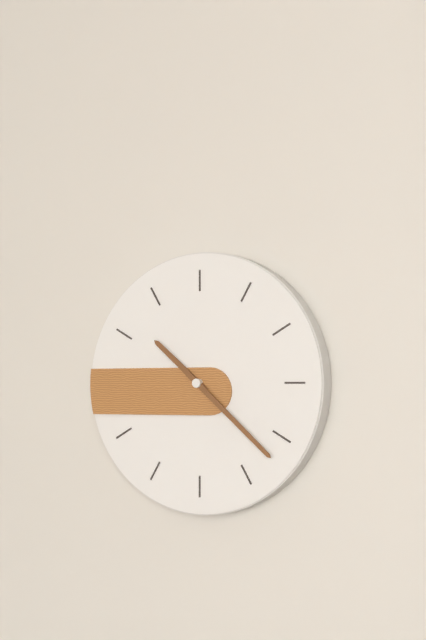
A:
10 h 22 min
